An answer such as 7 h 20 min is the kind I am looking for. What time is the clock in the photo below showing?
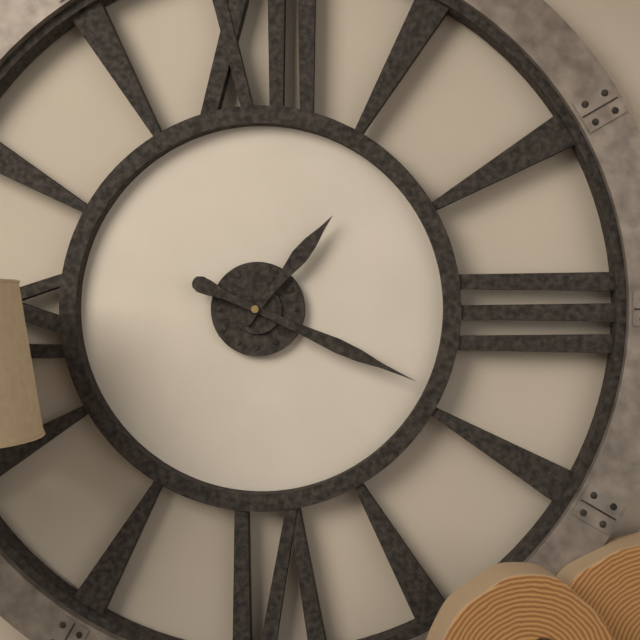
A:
1 h 19 min
